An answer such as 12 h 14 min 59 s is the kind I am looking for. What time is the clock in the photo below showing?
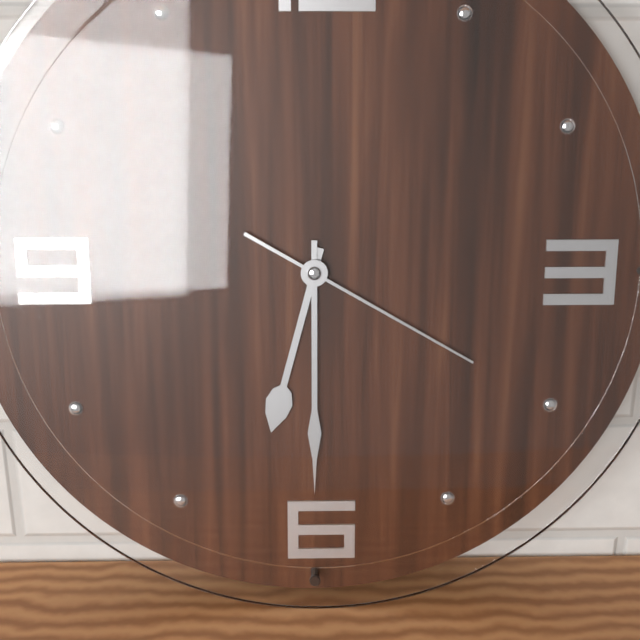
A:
6 h 30 min 20 s
